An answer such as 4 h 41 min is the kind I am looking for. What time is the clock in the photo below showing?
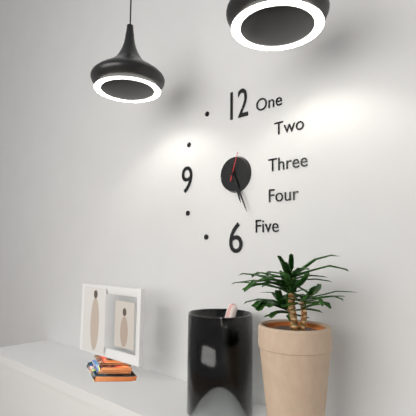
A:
5 h 26 min
